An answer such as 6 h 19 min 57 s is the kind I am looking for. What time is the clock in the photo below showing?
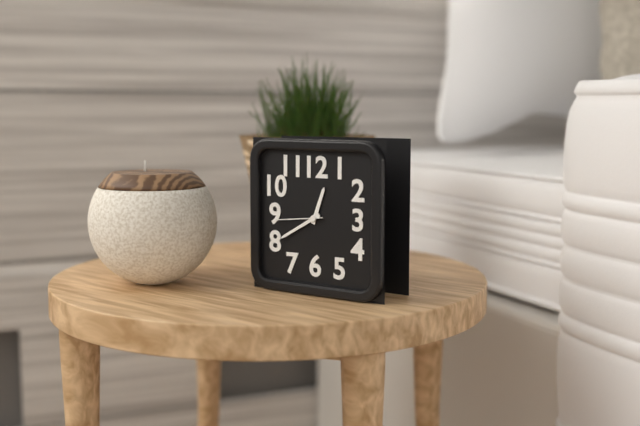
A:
12 h 40 min 44 s
